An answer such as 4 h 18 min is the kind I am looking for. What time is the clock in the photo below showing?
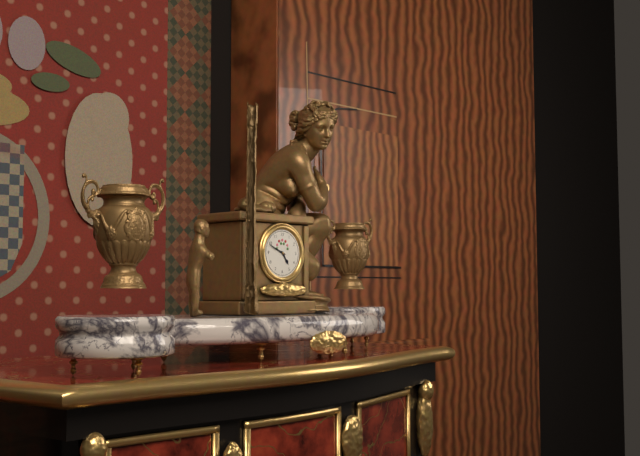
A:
4 h 49 min
